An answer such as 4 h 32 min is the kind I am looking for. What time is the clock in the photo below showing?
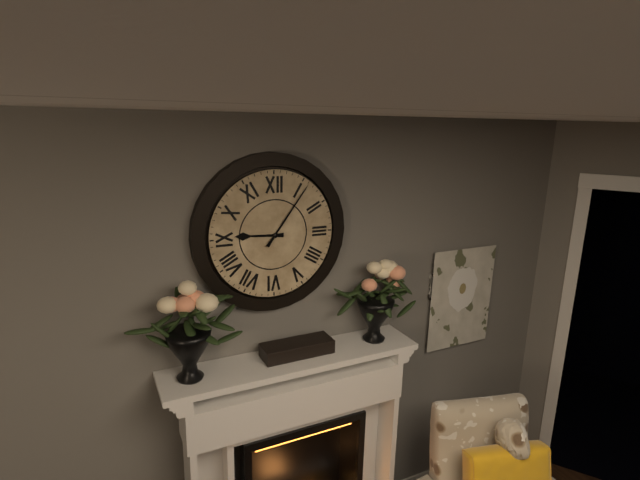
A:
9 h 06 min
